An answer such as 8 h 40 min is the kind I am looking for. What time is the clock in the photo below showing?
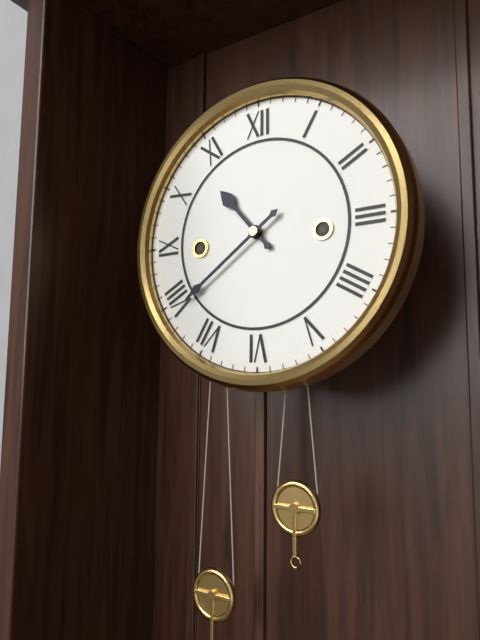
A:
10 h 39 min
